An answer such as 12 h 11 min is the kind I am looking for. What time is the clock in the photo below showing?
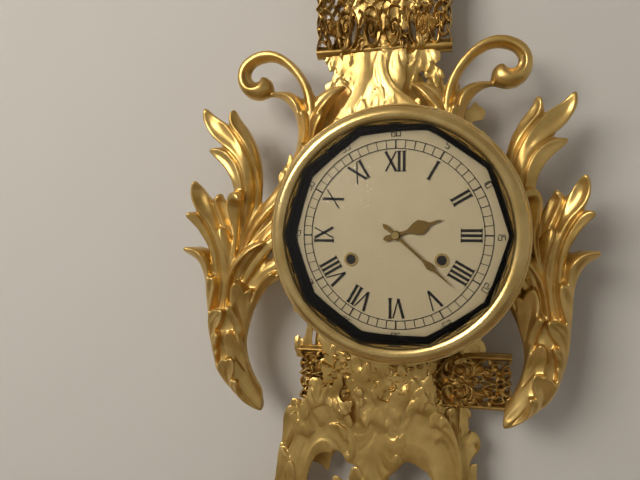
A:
2 h 22 min
